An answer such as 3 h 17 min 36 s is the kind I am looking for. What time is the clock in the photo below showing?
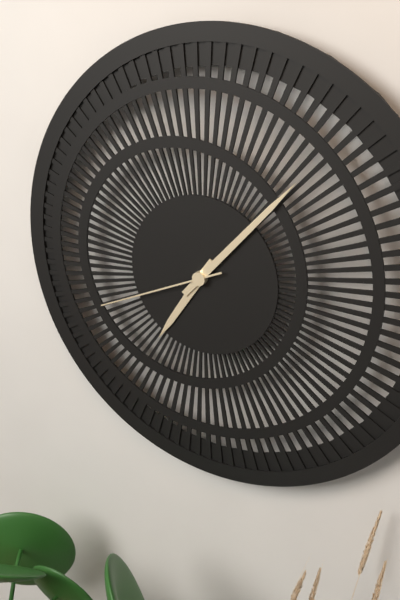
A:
7 h 07 min 41 s
